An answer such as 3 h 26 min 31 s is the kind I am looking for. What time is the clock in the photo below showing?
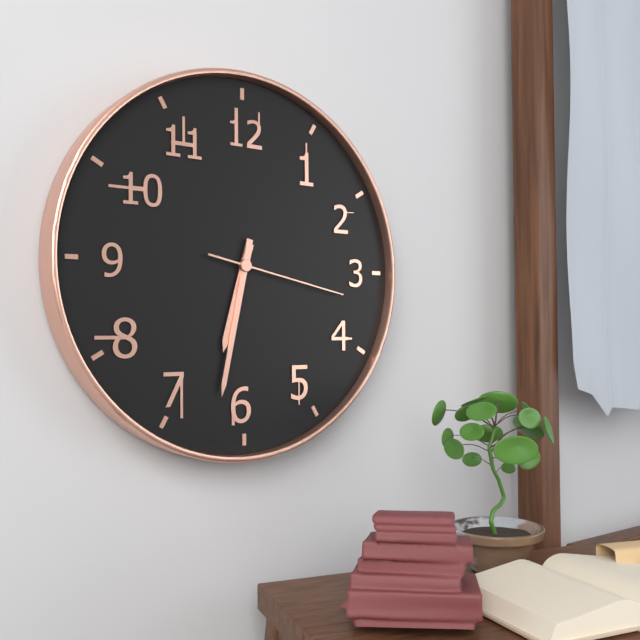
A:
6 h 32 min 17 s
